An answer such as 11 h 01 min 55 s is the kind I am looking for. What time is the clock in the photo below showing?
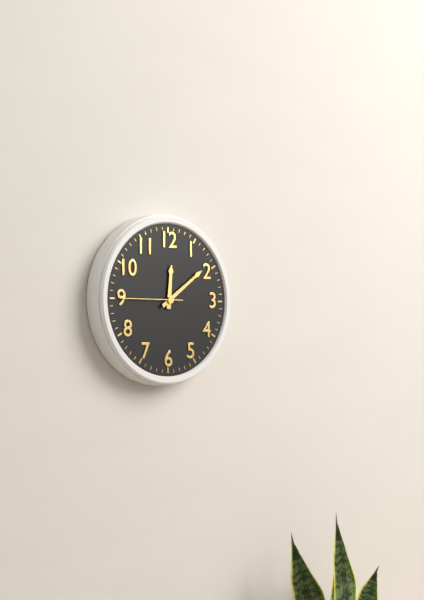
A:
12 h 09 min 45 s
